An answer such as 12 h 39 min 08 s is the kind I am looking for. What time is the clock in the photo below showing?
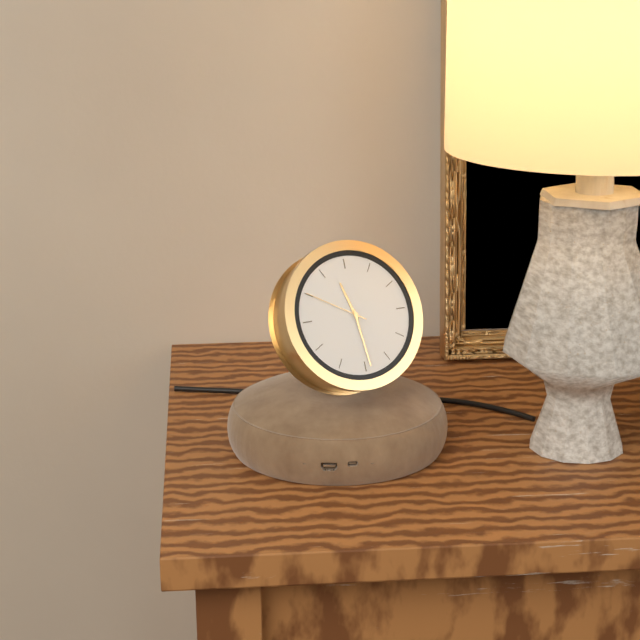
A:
11 h 29 min 50 s
